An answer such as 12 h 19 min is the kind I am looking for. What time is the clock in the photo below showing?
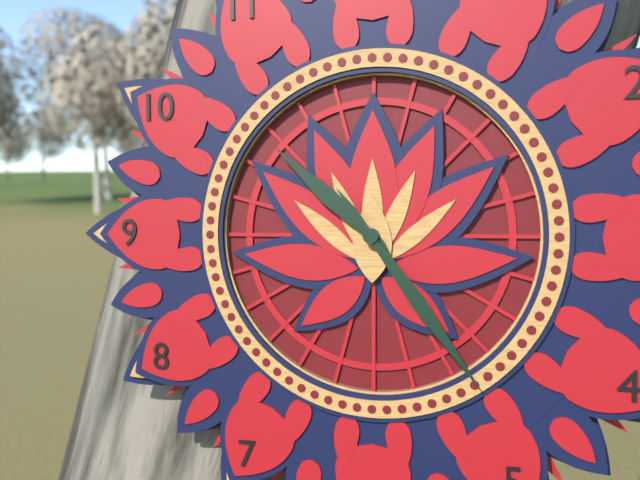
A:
10 h 24 min
